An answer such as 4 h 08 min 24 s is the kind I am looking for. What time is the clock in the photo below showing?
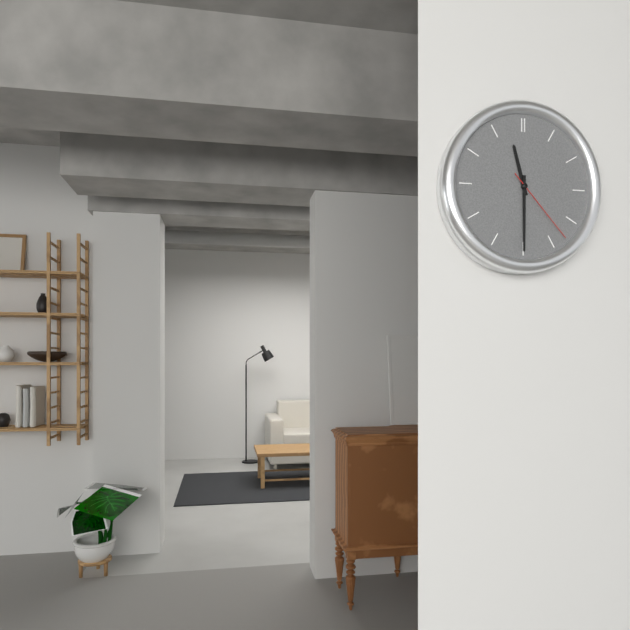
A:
11 h 30 min 23 s
